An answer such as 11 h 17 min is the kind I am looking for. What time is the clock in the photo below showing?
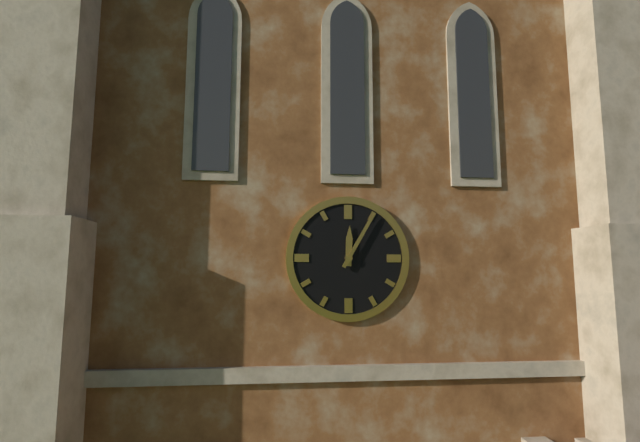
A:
12 h 05 min
